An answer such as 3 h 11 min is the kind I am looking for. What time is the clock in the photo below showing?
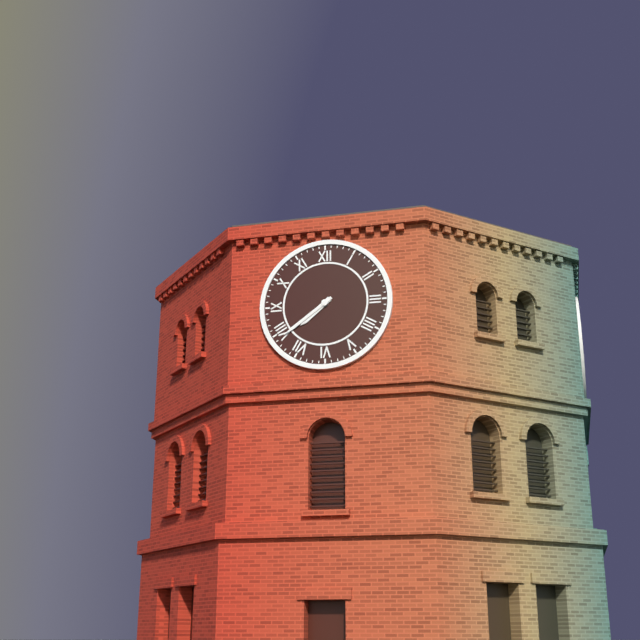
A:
7 h 39 min
